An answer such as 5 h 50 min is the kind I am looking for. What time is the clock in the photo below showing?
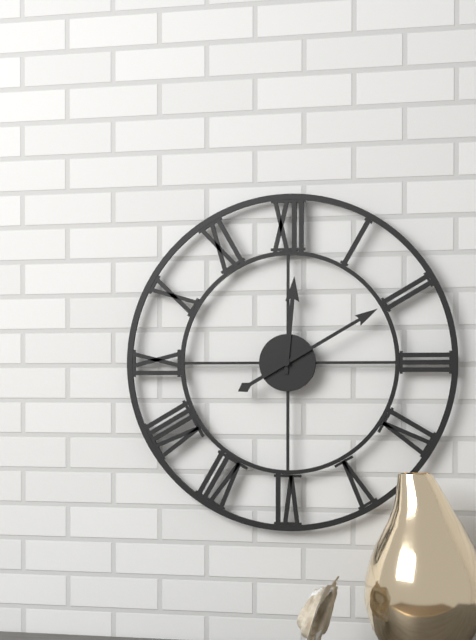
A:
12 h 10 min
